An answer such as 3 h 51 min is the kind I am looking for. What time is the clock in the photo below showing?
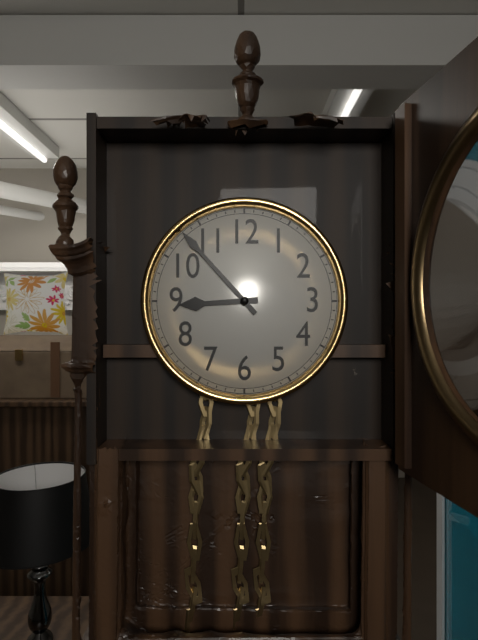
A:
8 h 53 min
